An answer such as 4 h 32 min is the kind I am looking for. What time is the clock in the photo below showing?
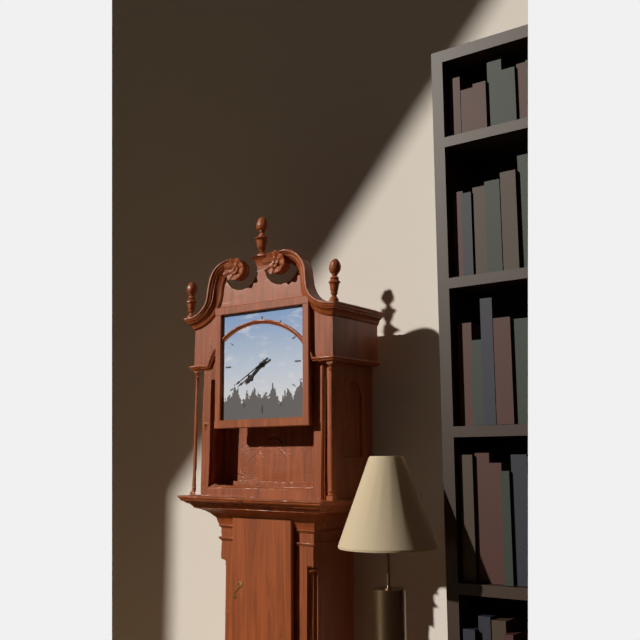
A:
7 h 40 min
